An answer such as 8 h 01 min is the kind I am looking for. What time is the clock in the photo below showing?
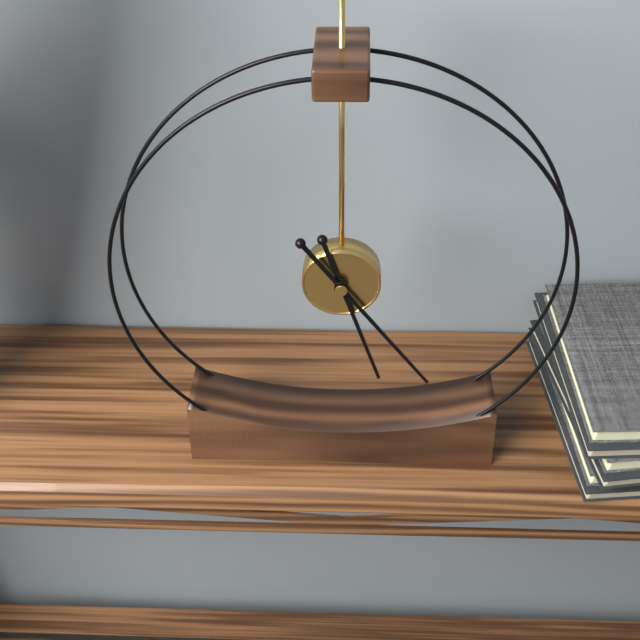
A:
5 h 24 min
